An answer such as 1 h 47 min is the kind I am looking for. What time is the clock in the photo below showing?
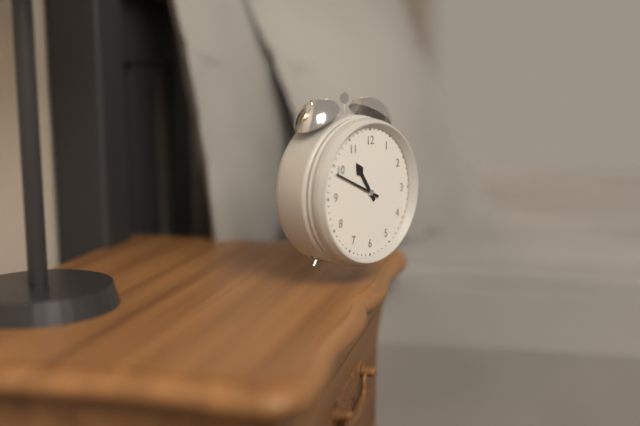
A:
10 h 49 min
